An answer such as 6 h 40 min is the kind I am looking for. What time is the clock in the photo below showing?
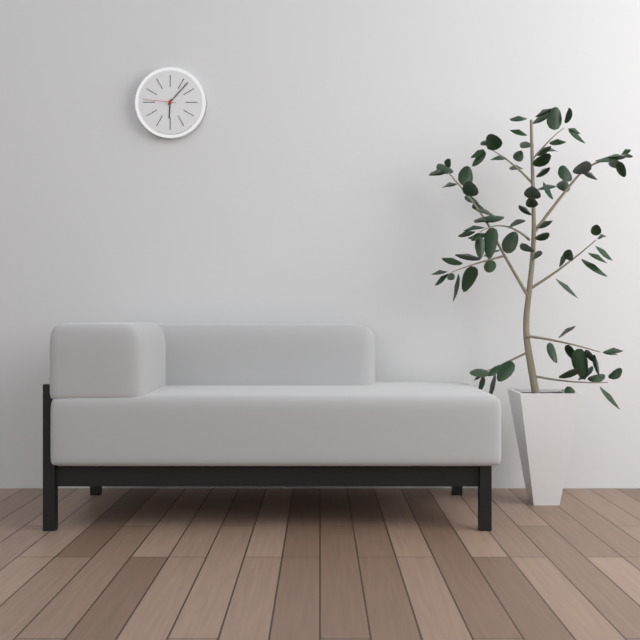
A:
6 h 07 min
